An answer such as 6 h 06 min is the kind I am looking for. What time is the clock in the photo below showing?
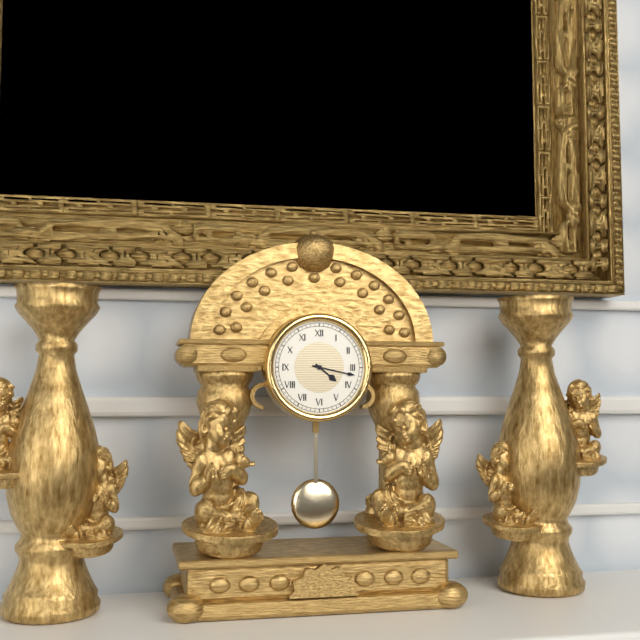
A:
4 h 17 min
